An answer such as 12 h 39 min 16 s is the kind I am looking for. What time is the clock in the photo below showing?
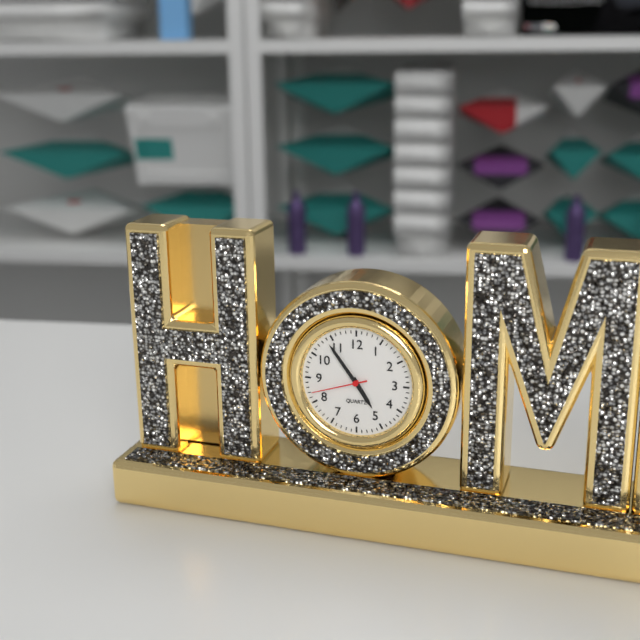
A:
4 h 54 min 42 s
